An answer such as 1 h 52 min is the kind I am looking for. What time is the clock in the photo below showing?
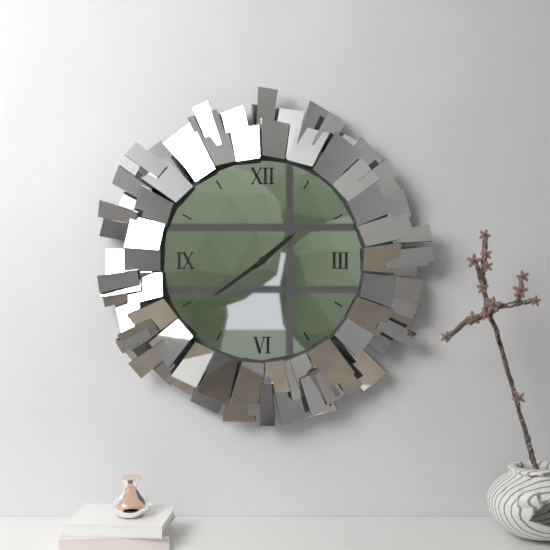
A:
1 h 39 min
